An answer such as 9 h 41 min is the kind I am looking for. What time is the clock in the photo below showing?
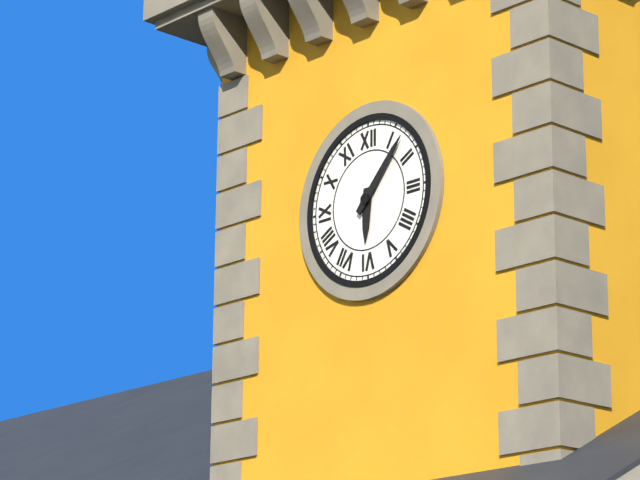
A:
6 h 07 min
